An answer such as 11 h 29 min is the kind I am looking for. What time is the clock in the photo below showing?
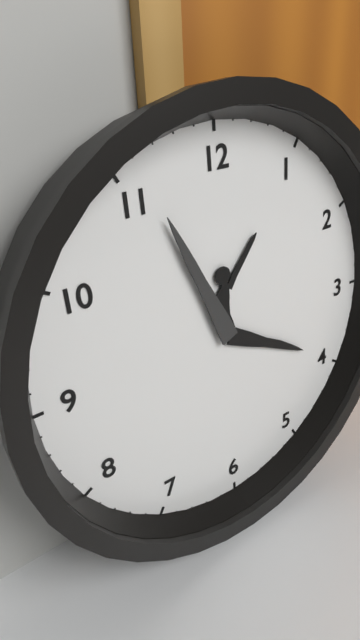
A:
3 h 56 min
